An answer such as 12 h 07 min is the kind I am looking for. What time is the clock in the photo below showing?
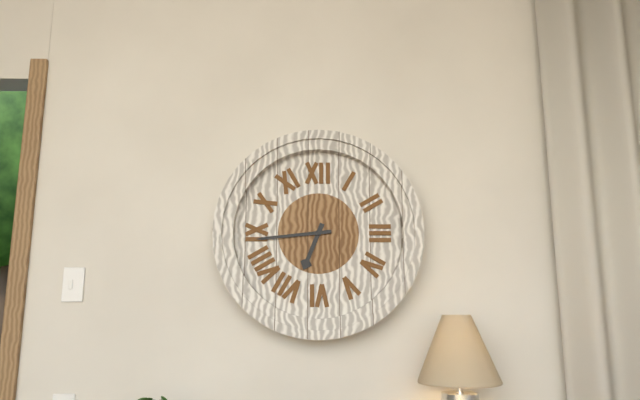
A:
6 h 44 min
